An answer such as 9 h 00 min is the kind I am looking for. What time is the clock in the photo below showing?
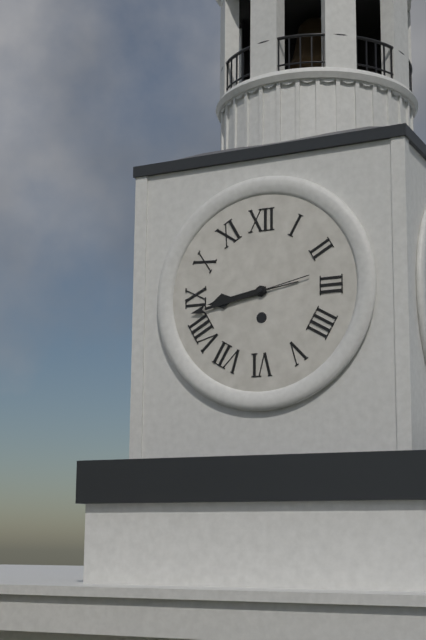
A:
8 h 43 min
